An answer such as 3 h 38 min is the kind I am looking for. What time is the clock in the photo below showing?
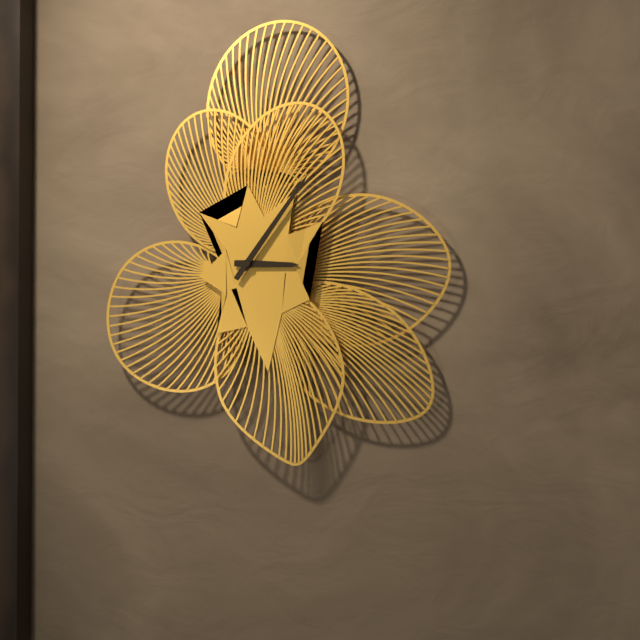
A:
3 h 06 min
